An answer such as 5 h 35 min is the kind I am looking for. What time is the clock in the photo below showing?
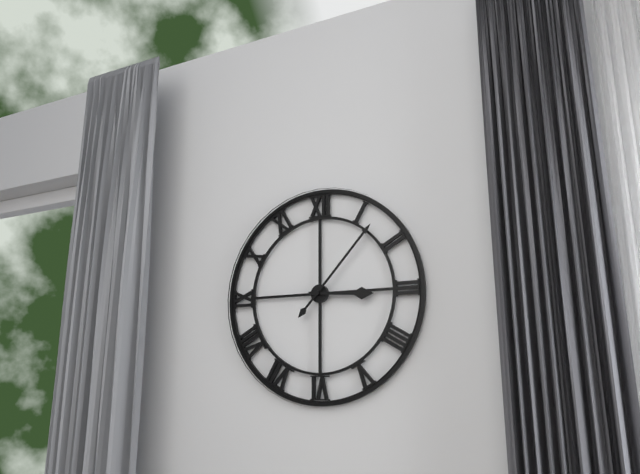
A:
3 h 07 min
